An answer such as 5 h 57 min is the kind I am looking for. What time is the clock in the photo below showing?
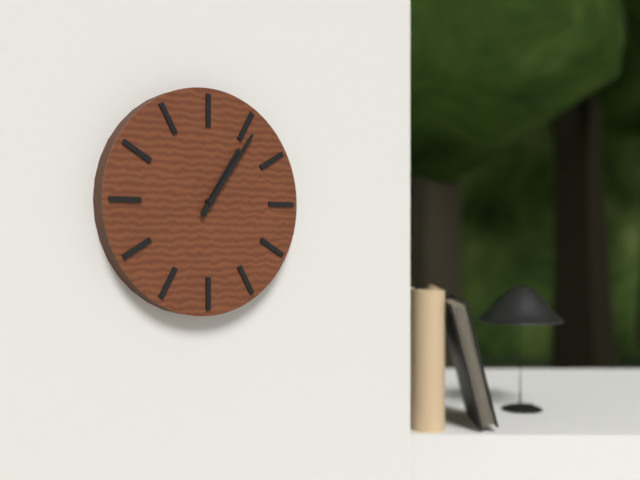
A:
1 h 06 min
